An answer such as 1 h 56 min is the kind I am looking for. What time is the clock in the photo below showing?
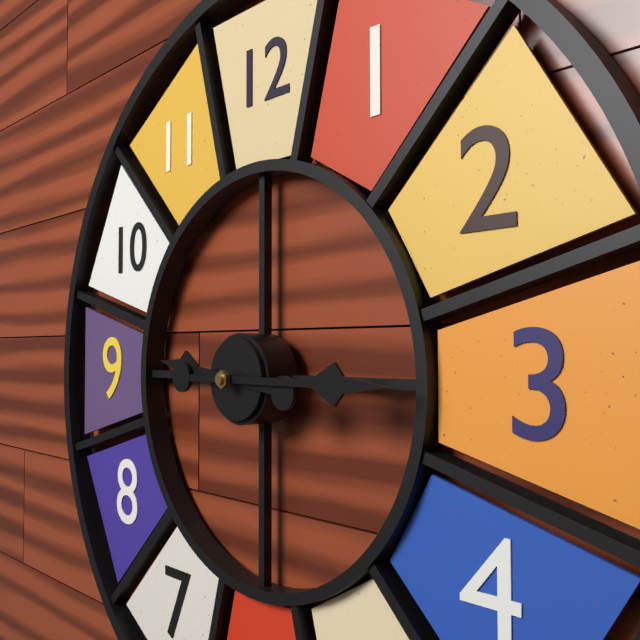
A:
9 h 15 min
